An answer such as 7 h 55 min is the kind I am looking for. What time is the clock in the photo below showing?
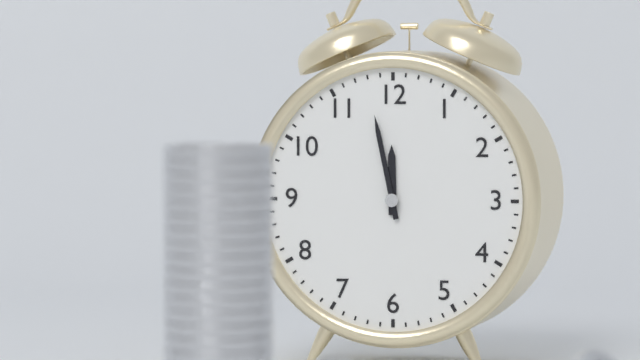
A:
11 h 58 min
